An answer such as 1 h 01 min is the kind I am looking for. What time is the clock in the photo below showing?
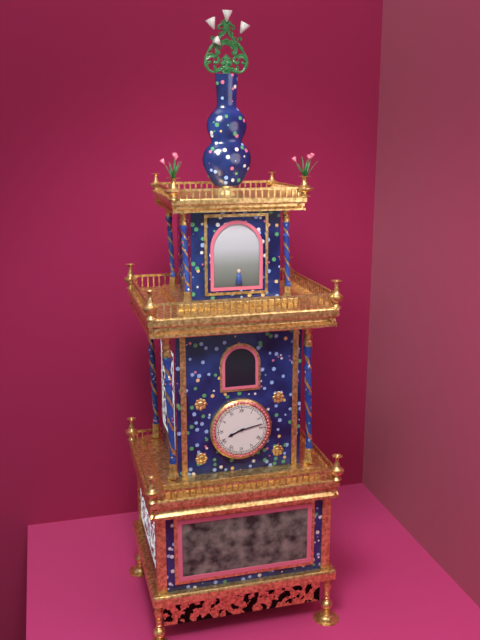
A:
8 h 13 min
